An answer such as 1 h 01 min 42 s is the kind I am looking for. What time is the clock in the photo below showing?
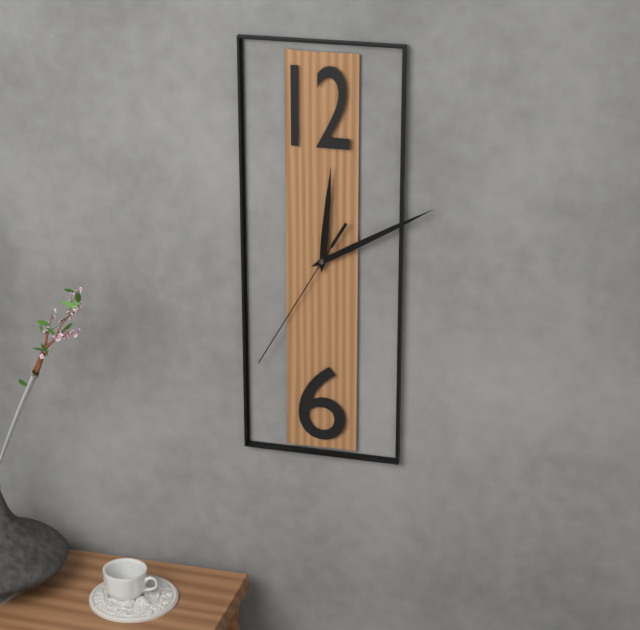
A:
12 h 10 min 35 s
